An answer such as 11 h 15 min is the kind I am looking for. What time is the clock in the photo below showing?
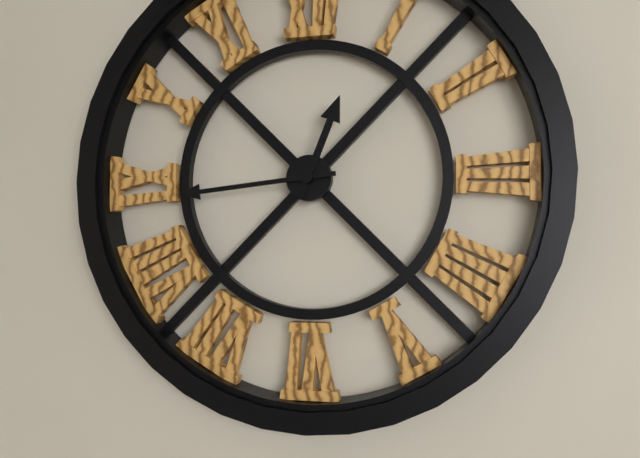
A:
12 h 44 min
